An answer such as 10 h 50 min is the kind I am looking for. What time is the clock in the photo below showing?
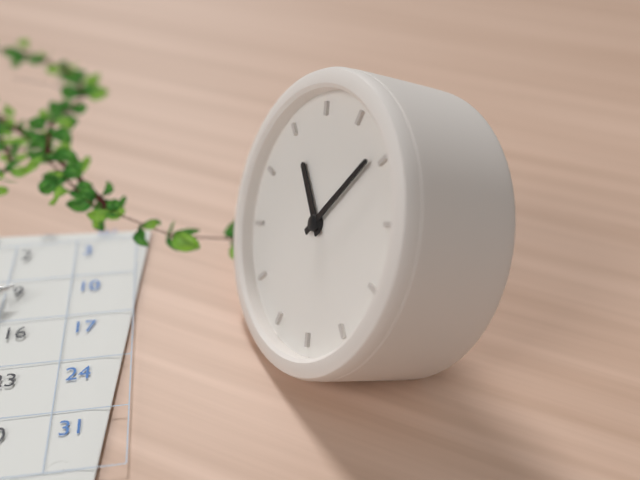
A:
10 h 04 min
